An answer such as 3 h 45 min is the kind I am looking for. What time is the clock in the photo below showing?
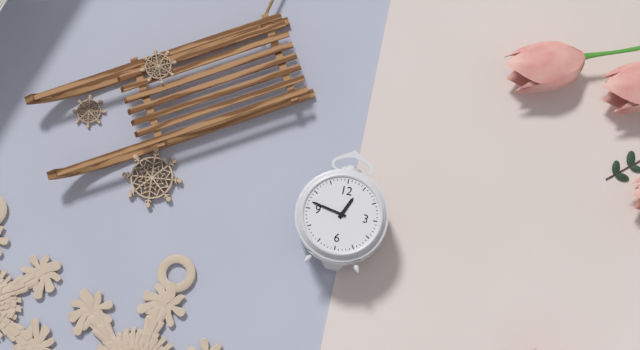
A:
12 h 47 min
